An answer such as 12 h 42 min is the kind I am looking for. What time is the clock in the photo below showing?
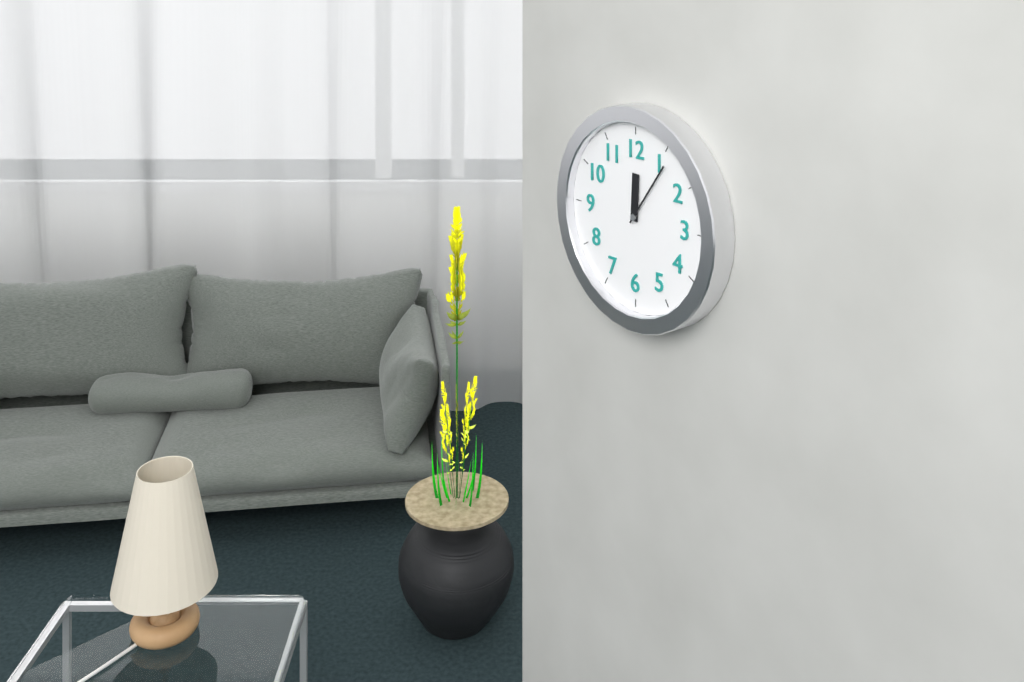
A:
12 h 06 min
